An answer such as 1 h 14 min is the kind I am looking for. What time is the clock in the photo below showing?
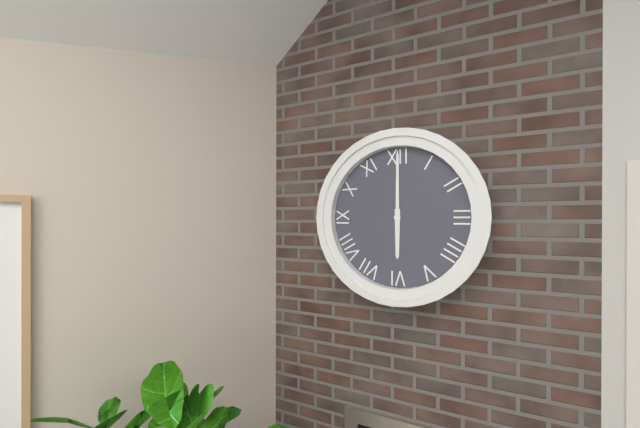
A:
6 h 00 min
